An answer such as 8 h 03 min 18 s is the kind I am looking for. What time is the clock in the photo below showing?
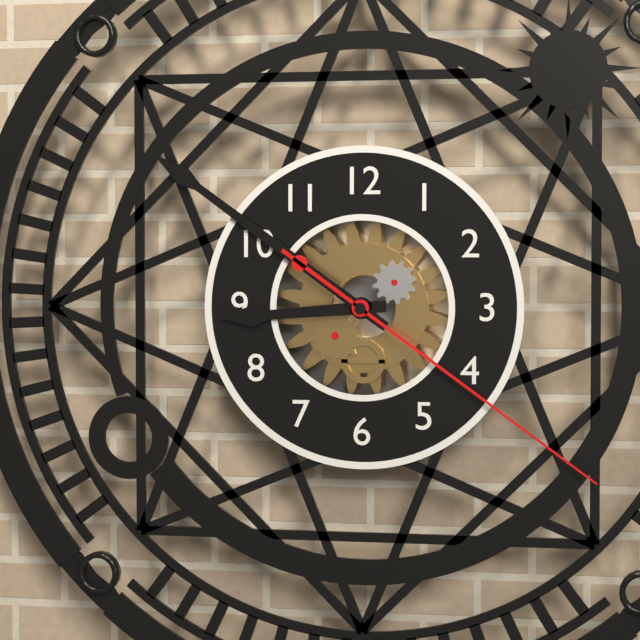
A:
8 h 51 min 21 s
